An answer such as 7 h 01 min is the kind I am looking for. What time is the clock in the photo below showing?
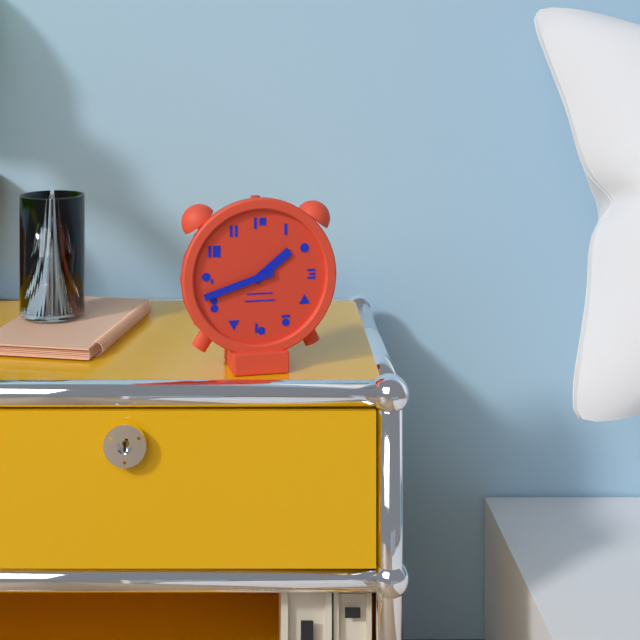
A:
1 h 42 min
